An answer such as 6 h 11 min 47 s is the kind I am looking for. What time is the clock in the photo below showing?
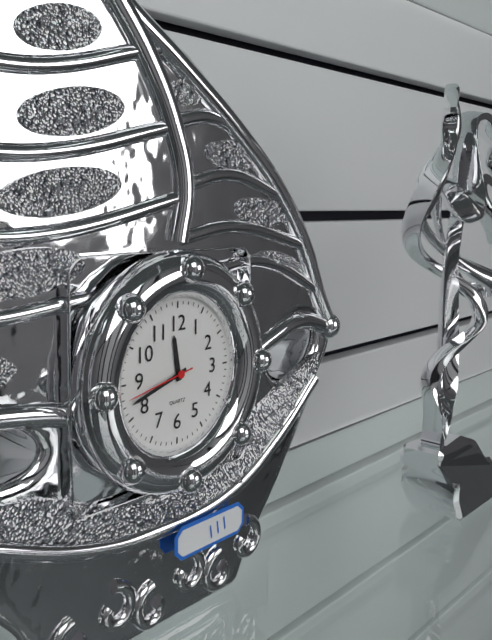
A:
11 h 42 min 43 s
